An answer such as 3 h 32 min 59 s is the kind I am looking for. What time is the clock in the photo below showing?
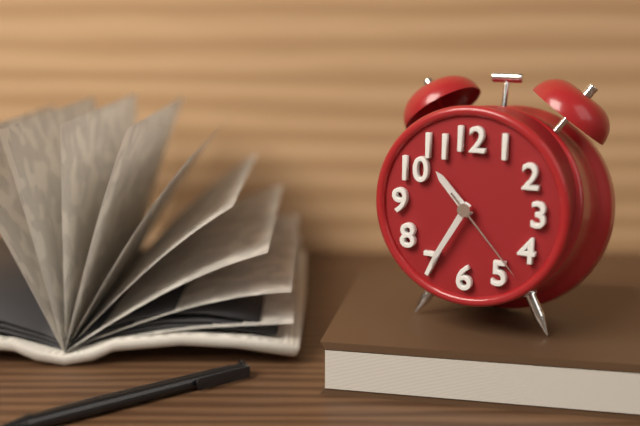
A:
10 h 35 min 23 s
